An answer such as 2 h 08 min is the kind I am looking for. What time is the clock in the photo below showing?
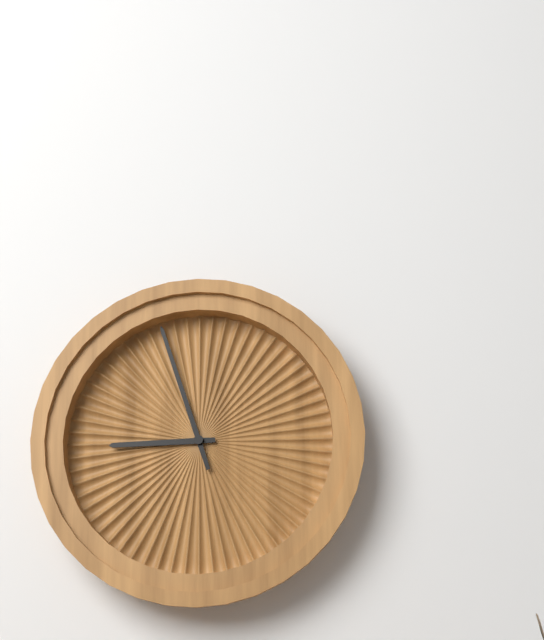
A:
8 h 57 min
